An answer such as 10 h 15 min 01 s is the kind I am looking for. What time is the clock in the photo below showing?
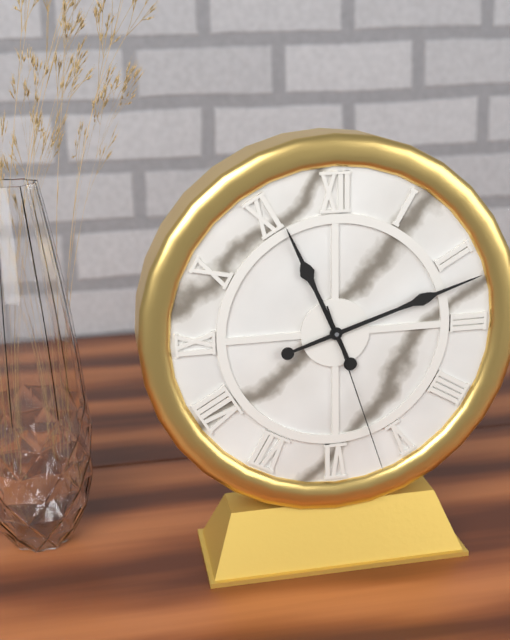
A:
11 h 12 min 27 s
